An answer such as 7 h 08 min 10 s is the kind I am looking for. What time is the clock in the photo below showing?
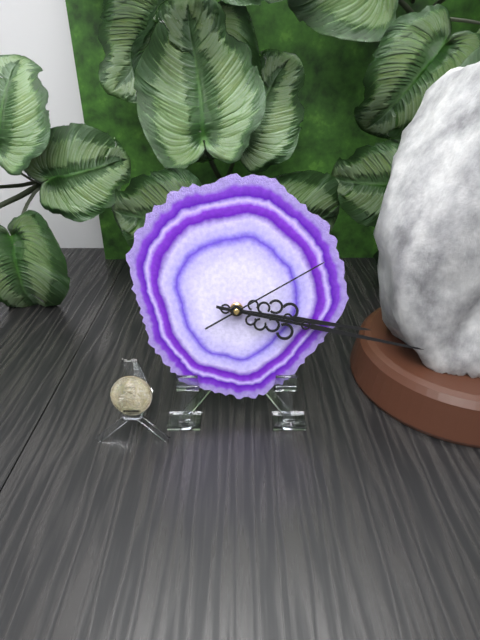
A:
3 h 17 min 10 s
